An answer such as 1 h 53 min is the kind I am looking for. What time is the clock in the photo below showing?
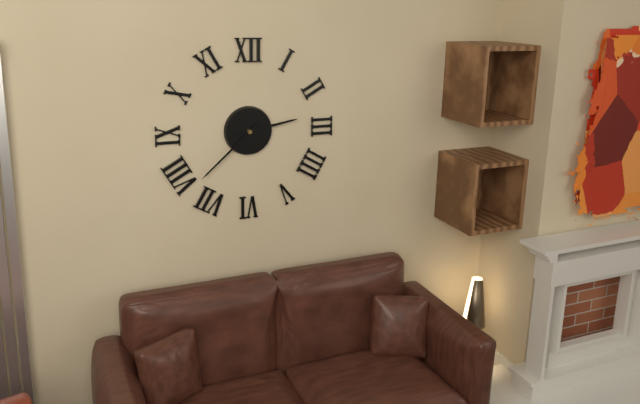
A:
2 h 38 min
